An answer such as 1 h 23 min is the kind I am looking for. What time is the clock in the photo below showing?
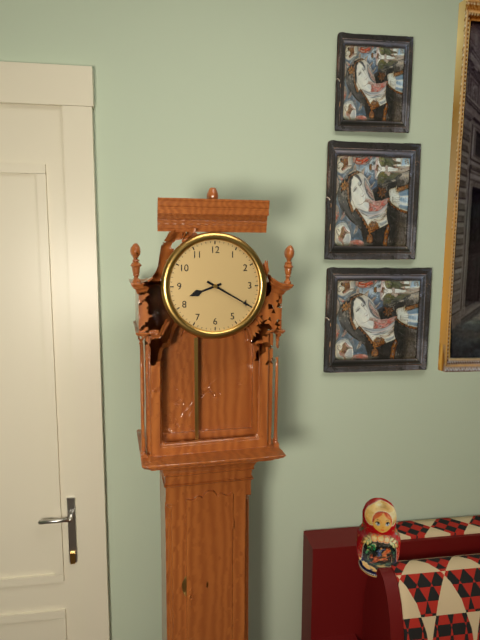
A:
8 h 20 min
